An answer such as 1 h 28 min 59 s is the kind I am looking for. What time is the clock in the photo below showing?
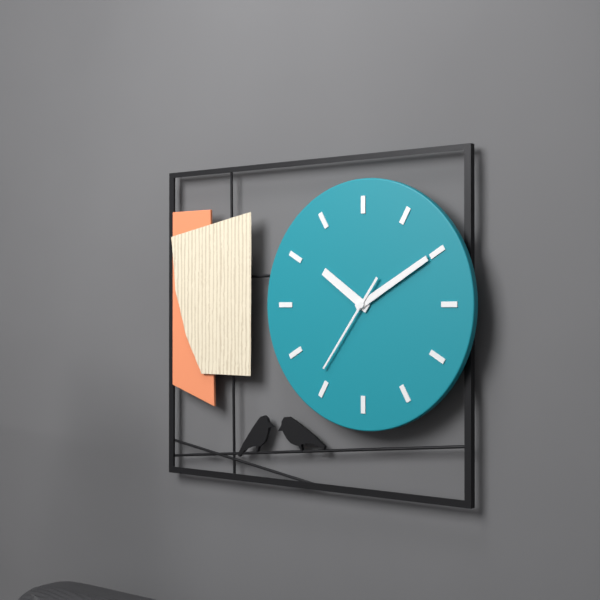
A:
10 h 10 min 36 s
